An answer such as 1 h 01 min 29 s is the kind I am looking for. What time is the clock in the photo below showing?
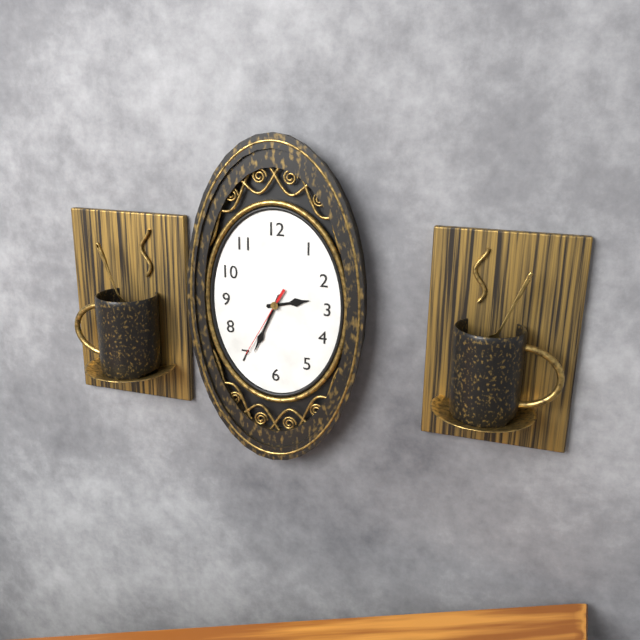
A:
2 h 34 min 35 s
